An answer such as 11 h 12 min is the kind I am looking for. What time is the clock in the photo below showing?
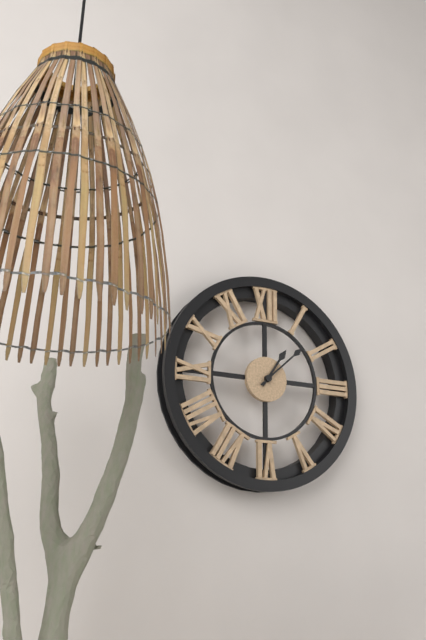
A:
1 h 08 min
